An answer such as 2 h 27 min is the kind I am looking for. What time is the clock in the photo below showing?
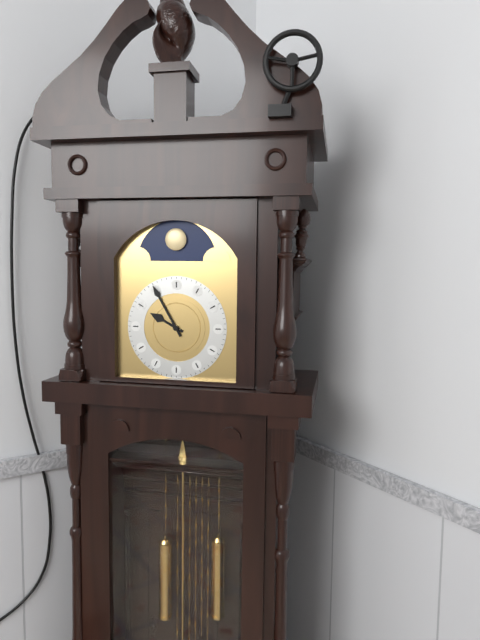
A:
9 h 55 min
